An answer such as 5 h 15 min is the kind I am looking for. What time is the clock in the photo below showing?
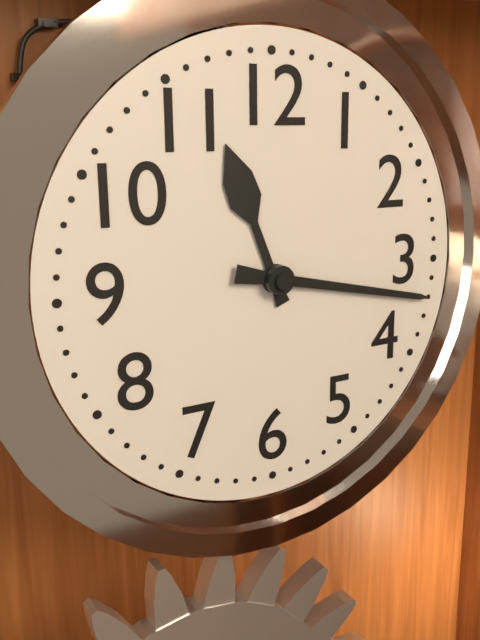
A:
11 h 17 min
